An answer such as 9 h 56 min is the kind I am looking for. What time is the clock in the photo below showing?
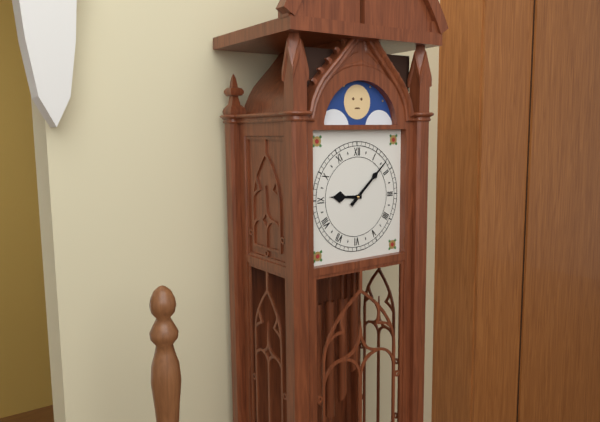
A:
9 h 08 min
